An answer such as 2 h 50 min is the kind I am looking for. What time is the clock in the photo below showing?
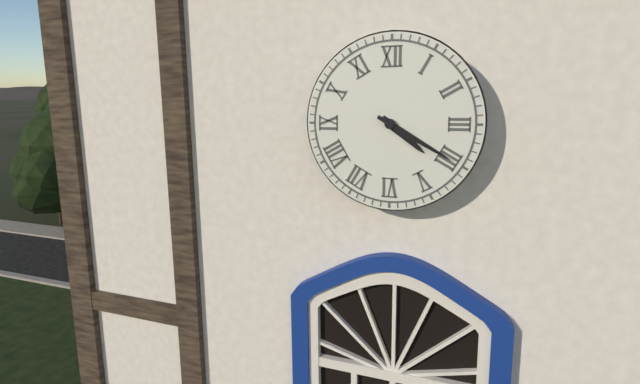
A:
4 h 20 min
